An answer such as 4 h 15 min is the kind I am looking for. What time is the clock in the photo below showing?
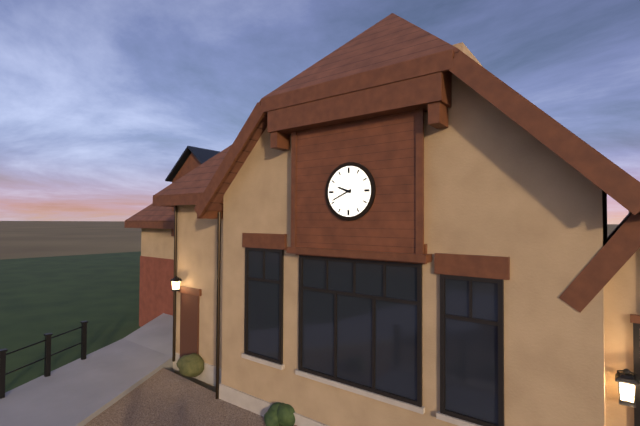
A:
9 h 41 min
